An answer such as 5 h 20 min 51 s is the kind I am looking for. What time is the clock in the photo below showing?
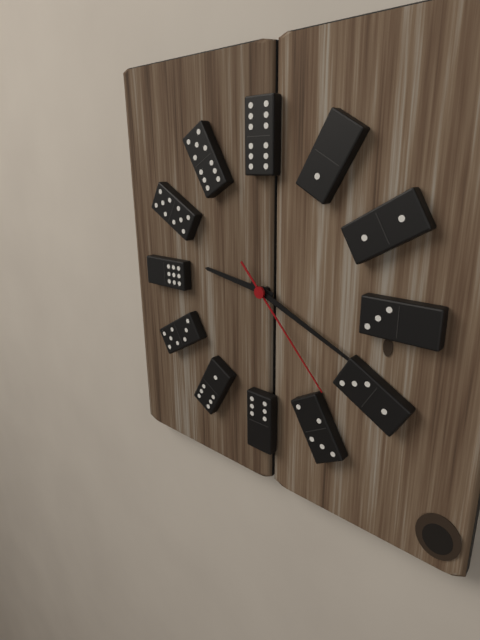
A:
9 h 19 min 23 s
